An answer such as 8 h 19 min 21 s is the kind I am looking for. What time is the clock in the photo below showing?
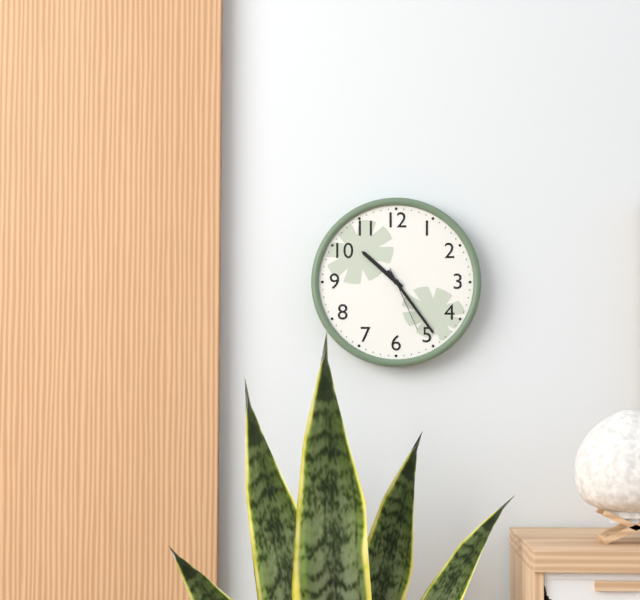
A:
10 h 24 min 26 s
